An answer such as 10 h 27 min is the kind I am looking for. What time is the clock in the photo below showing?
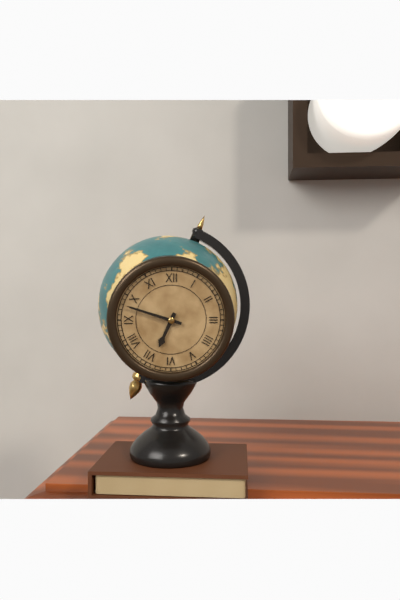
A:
6 h 48 min
